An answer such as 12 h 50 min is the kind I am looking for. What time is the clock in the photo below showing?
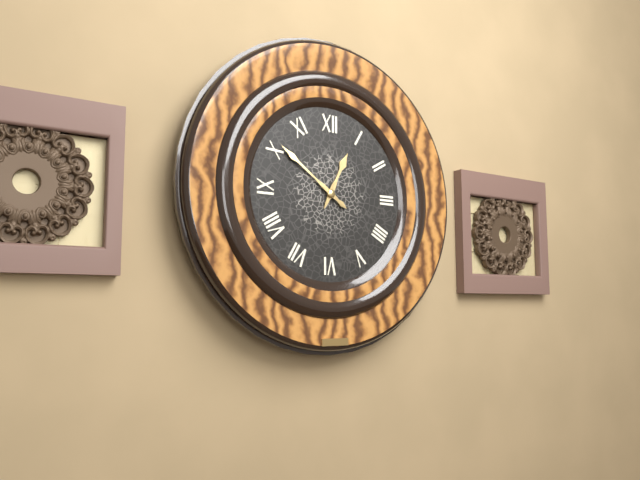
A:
12 h 51 min
